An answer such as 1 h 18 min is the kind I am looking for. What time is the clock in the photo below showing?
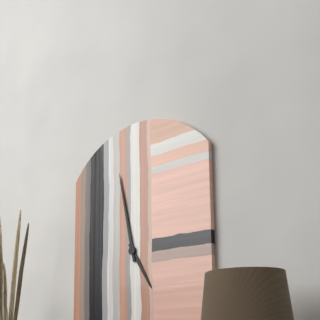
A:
4 h 58 min
